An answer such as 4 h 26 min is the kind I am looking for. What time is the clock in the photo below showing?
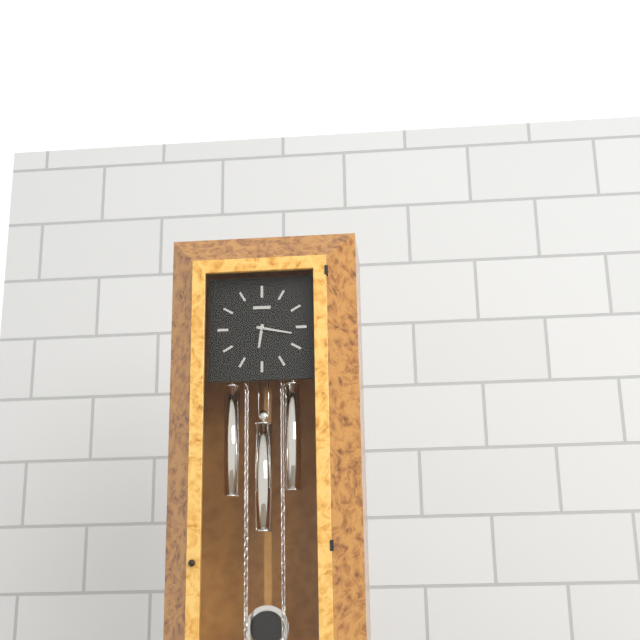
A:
6 h 17 min
